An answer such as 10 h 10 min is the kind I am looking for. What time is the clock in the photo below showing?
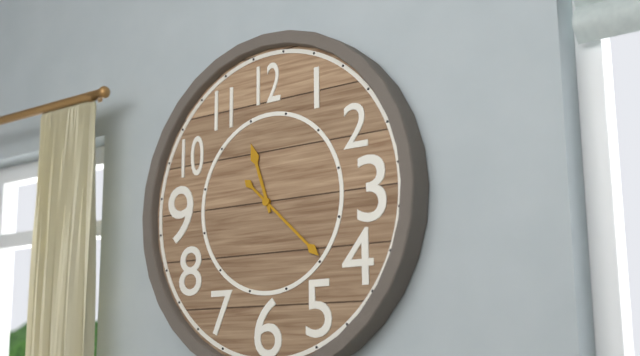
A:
11 h 22 min
